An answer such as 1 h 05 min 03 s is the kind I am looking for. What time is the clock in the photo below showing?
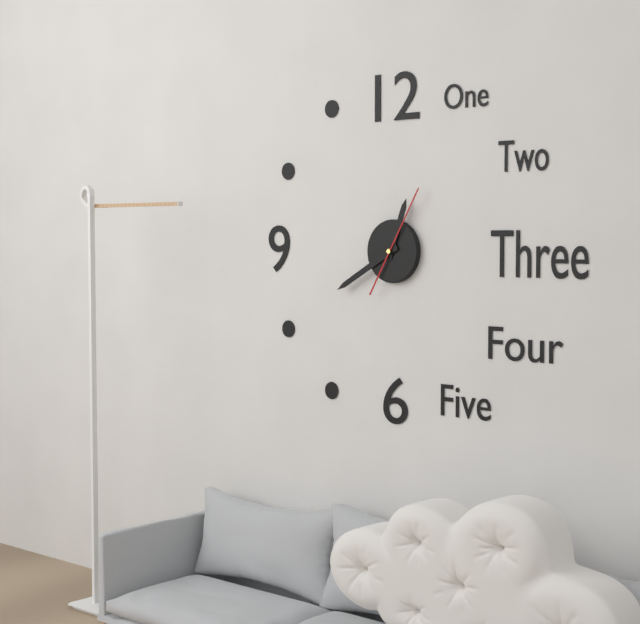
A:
12 h 40 min 05 s
